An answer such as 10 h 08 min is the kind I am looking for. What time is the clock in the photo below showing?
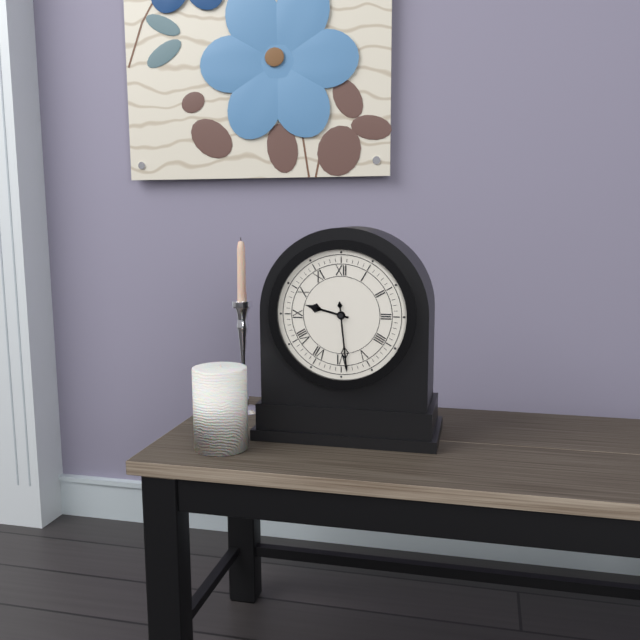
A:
9 h 29 min
